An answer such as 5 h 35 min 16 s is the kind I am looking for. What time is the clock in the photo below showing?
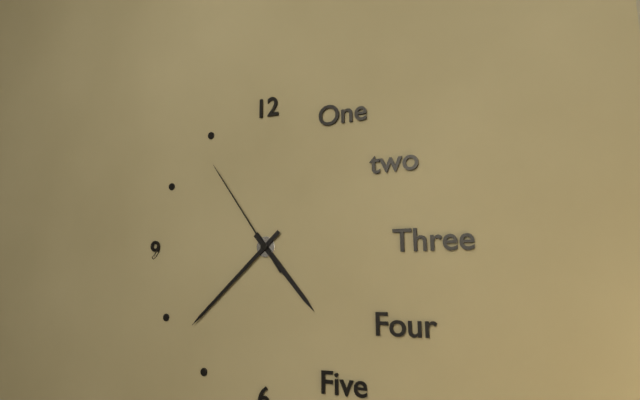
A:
4 h 38 min 54 s
